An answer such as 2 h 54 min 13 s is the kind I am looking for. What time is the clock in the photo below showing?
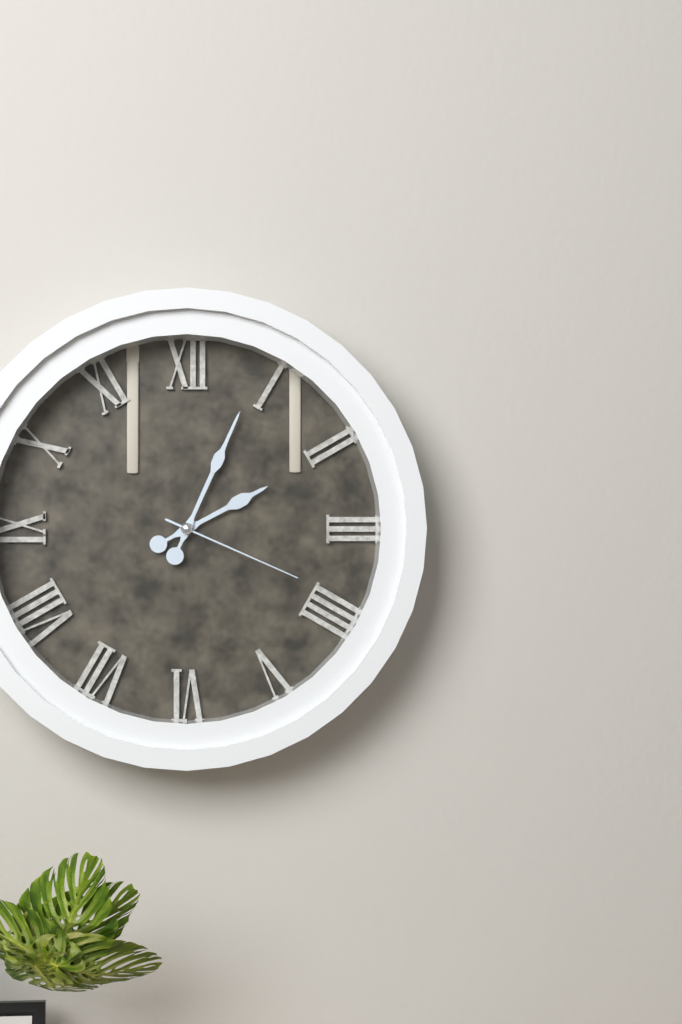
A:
2 h 04 min 19 s
